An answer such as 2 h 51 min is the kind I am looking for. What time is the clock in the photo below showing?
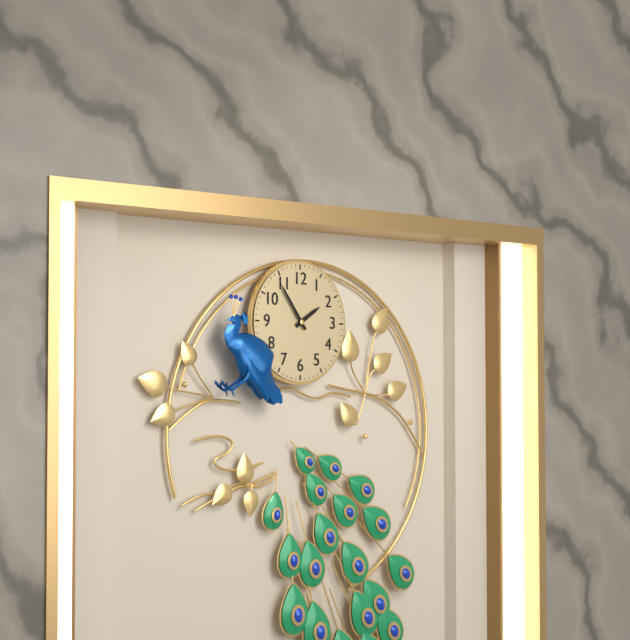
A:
1 h 54 min
